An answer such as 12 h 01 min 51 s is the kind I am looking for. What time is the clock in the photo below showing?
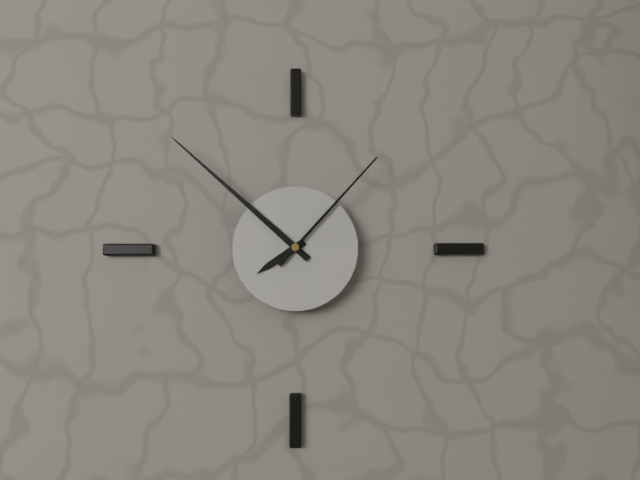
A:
7 h 52 min 07 s
